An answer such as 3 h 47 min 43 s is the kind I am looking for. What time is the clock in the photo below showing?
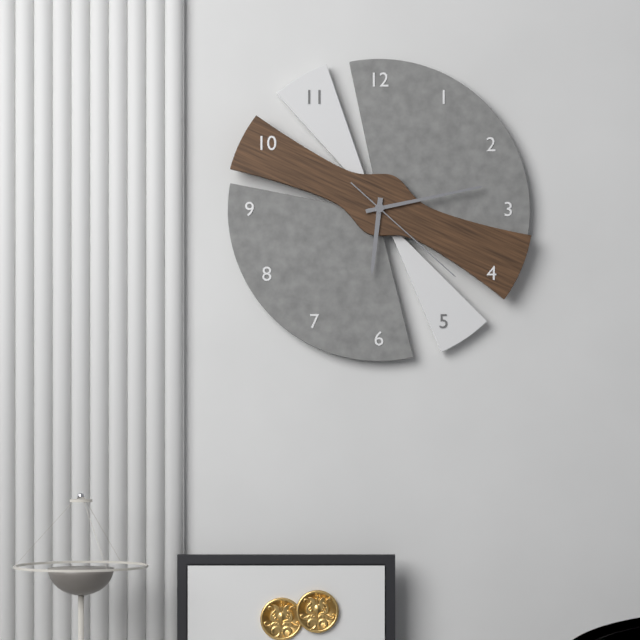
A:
6 h 13 min 22 s
